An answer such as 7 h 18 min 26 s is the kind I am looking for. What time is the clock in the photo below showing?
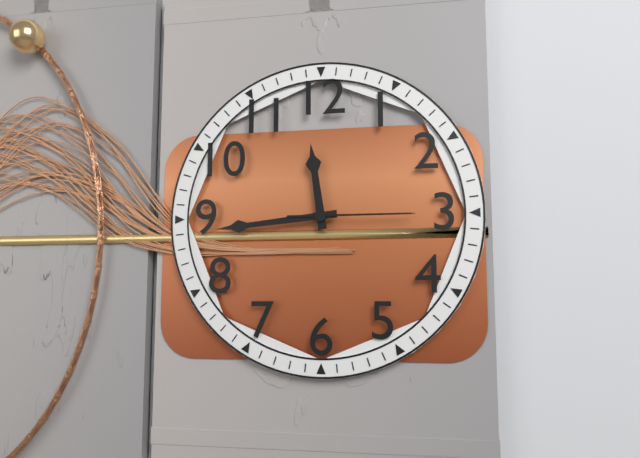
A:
11 h 44 min 15 s
